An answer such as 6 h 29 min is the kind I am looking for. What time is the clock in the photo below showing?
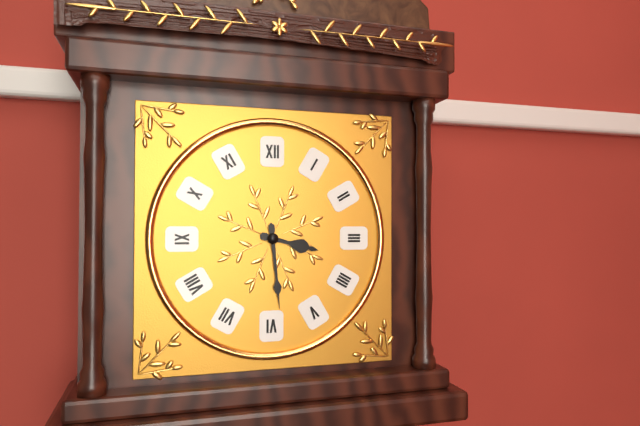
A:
3 h 29 min
